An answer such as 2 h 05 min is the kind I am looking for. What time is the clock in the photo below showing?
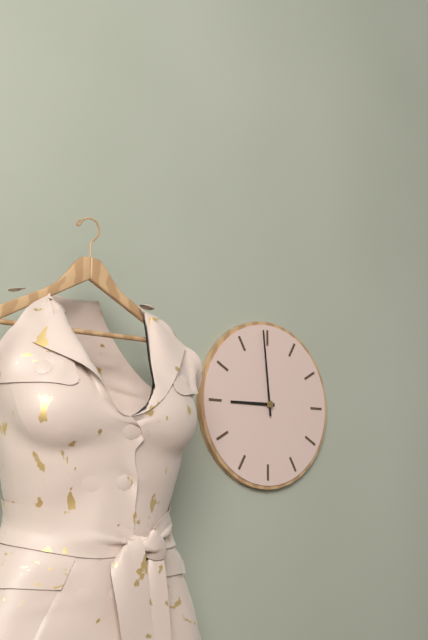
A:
8 h 59 min
